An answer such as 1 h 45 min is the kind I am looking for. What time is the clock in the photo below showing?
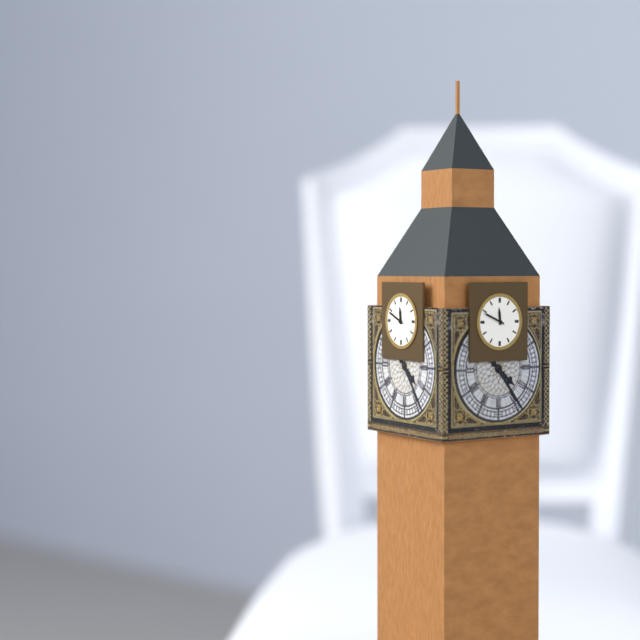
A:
11 h 49 min
